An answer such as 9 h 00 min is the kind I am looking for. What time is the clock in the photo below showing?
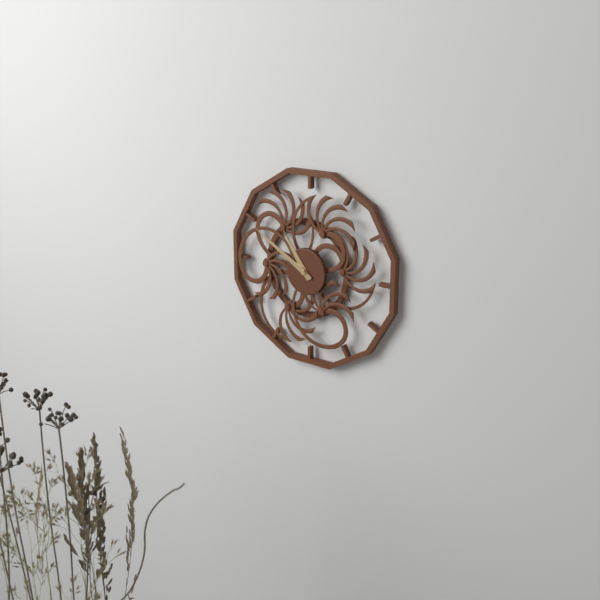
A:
10 h 50 min
